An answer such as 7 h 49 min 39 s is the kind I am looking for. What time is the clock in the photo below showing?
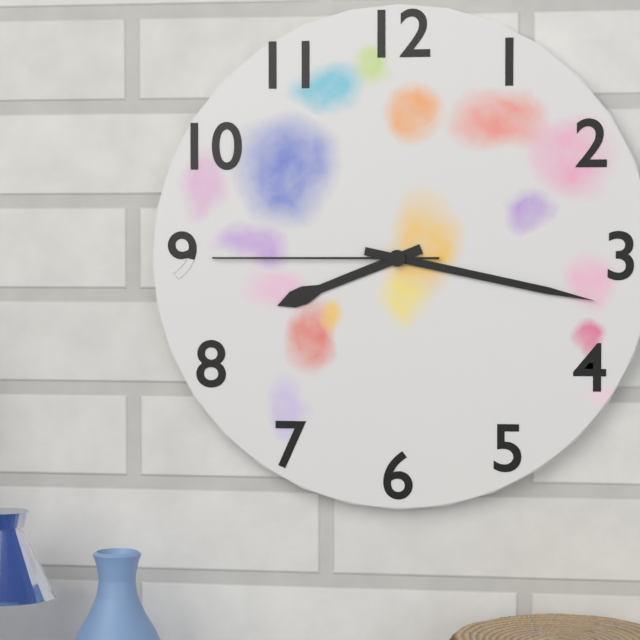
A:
8 h 17 min 45 s
